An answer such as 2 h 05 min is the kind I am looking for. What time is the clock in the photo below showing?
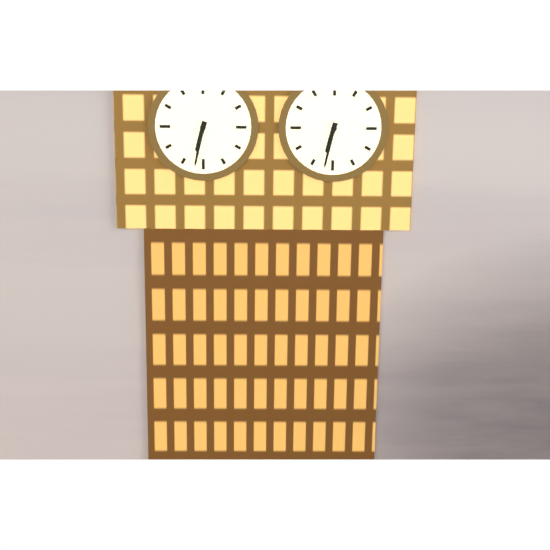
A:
6 h 32 min
